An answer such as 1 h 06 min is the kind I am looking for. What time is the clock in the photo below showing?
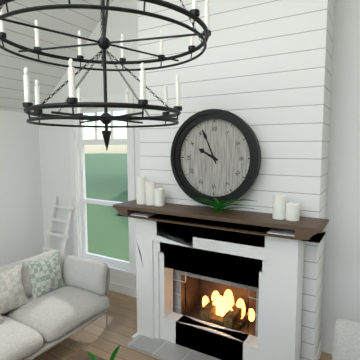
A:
9 h 56 min
